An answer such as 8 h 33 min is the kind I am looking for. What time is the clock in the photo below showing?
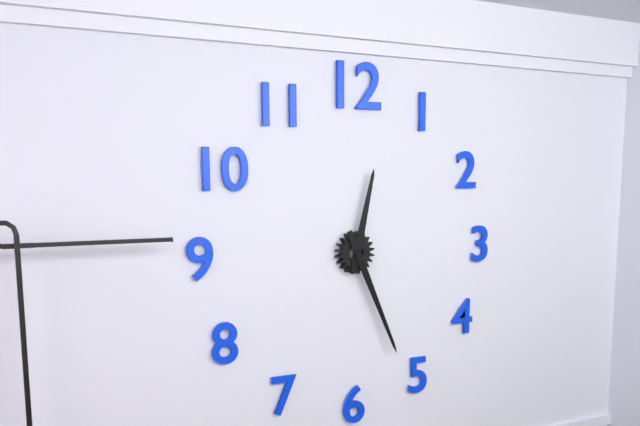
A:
12 h 26 min
